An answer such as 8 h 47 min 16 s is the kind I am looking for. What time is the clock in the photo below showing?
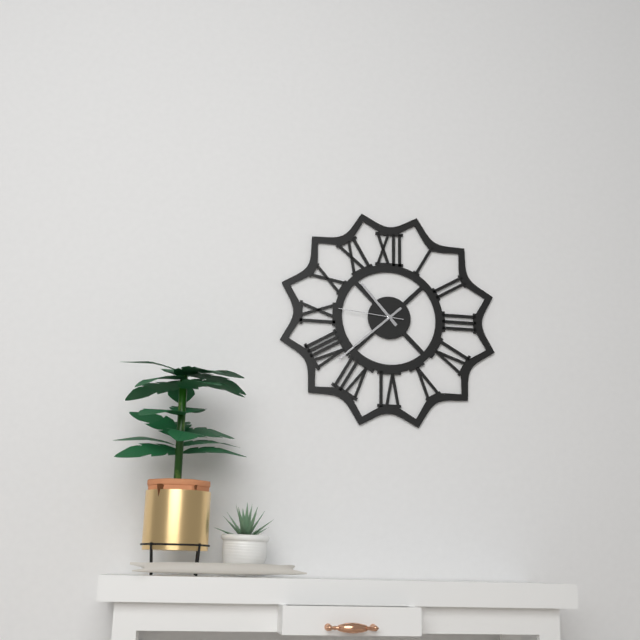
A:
10 h 38 min 46 s
